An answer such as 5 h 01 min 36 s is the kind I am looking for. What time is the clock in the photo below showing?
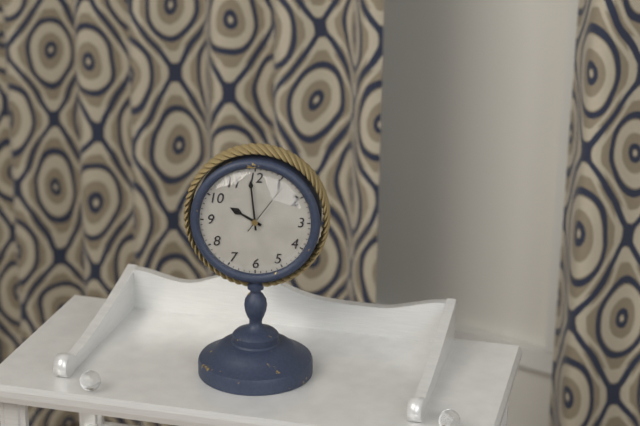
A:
9 h 59 min 06 s
